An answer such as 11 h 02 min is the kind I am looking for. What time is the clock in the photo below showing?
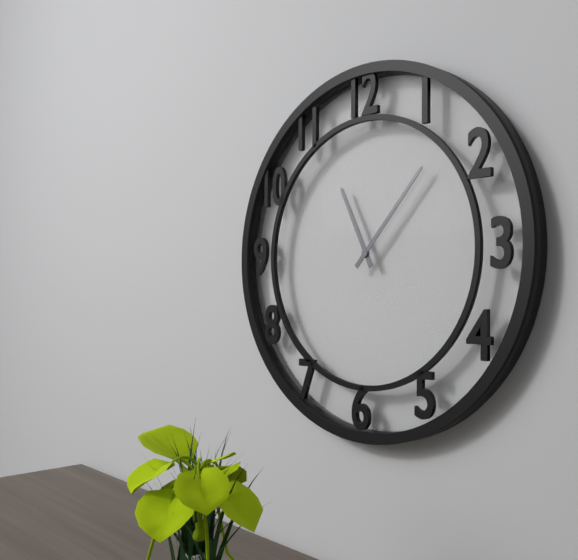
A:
11 h 07 min
